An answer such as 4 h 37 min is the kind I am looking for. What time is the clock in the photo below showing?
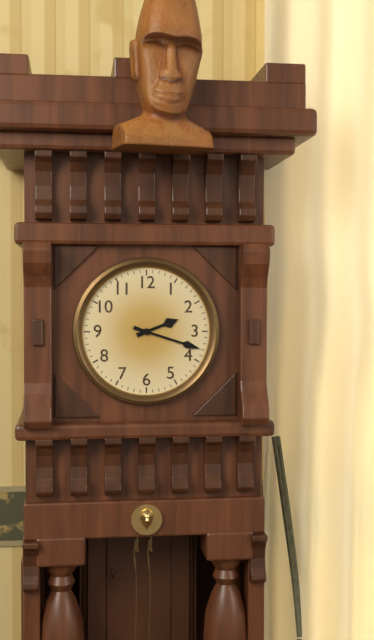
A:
2 h 18 min
